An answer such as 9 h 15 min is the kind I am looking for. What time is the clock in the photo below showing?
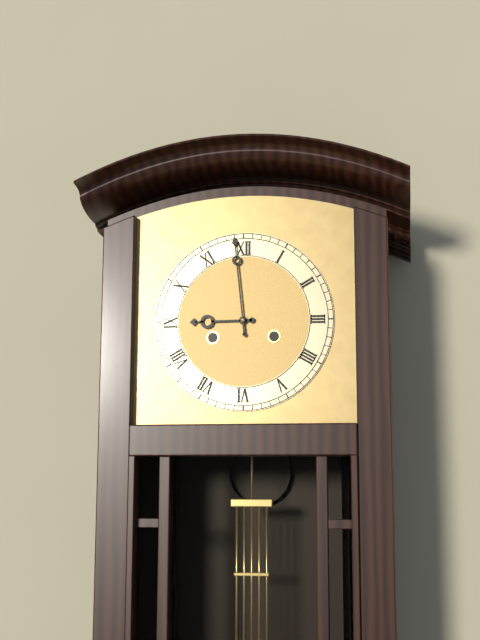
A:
8 h 59 min
